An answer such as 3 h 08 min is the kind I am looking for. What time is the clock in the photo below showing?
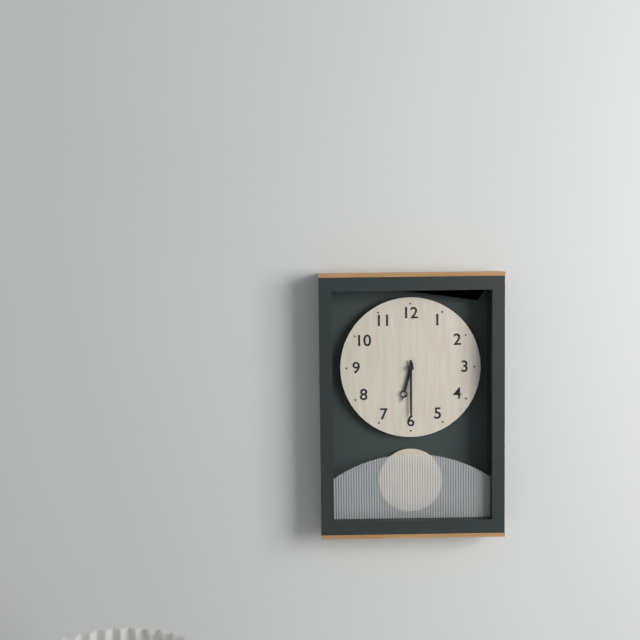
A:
6 h 30 min
